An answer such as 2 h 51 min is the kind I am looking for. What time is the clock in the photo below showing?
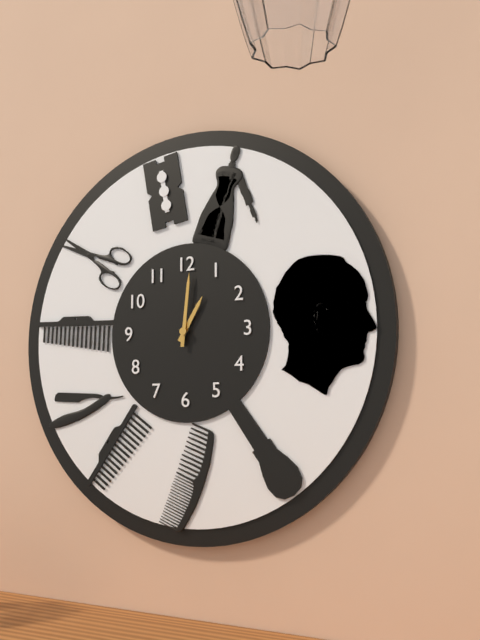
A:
1 h 01 min
